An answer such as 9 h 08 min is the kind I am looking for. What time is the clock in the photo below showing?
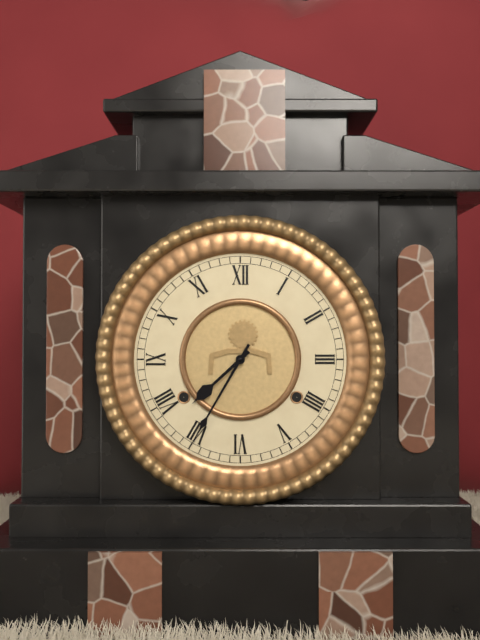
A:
7 h 35 min
